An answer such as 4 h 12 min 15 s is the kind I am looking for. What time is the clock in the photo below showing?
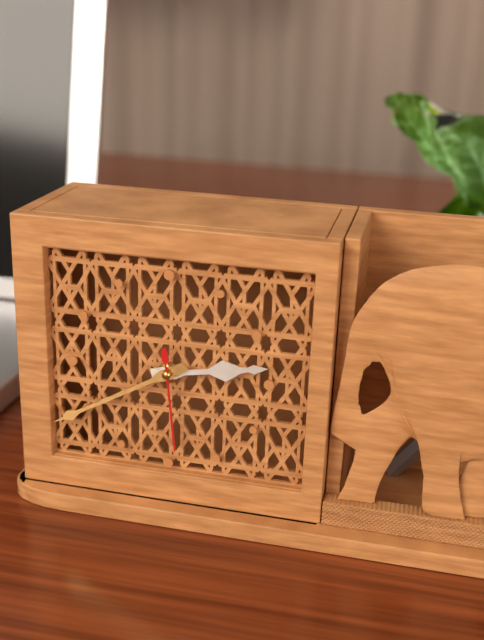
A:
2 h 40 min 29 s
